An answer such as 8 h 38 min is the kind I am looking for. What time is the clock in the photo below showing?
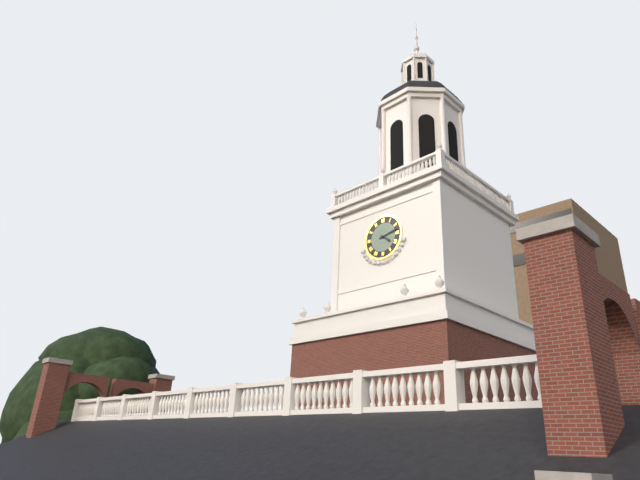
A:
4 h 13 min
